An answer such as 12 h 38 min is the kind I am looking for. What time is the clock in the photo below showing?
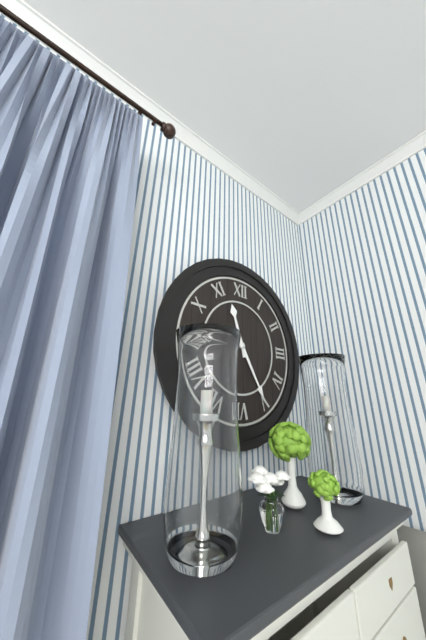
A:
11 h 25 min
